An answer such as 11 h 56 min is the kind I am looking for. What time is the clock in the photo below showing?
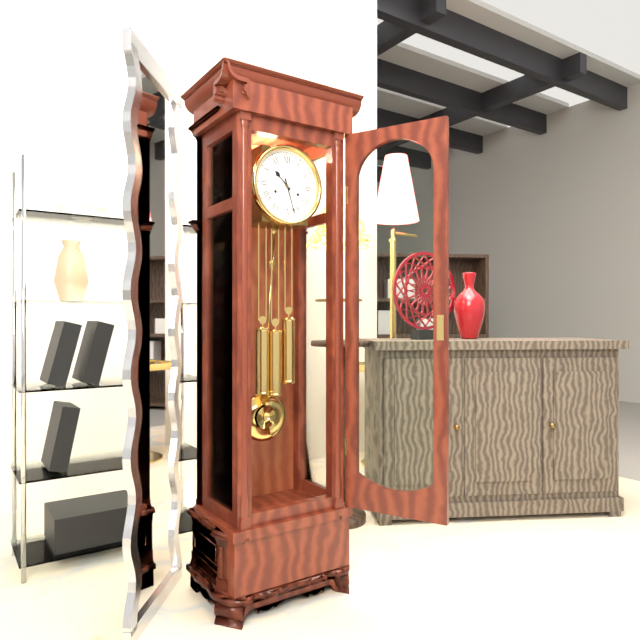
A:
10 h 27 min
